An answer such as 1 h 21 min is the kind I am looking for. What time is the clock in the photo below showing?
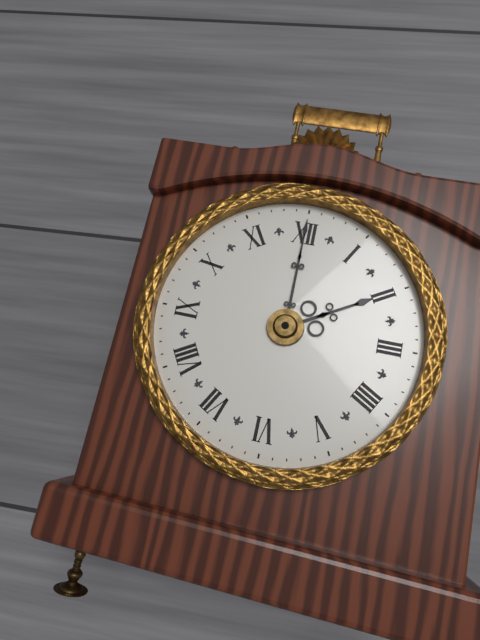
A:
2 h 00 min
